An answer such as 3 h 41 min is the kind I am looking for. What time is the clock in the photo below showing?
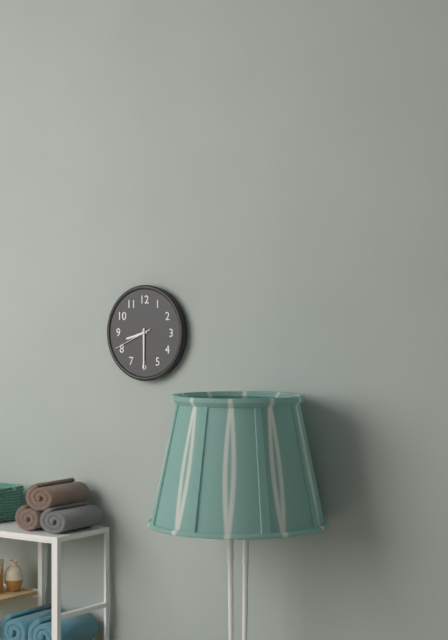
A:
8 h 30 min
